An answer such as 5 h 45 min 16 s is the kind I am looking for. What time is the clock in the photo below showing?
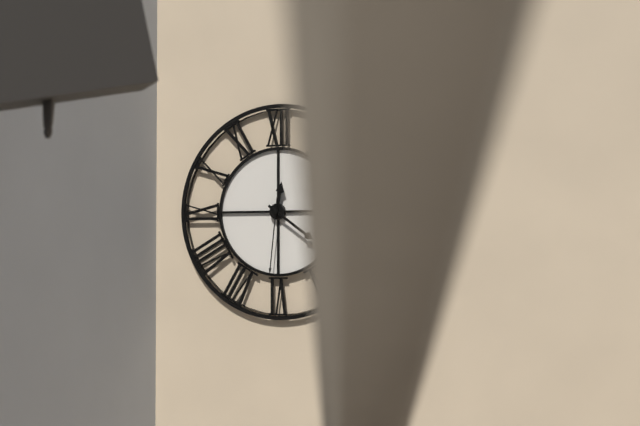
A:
12 h 21 min 31 s
